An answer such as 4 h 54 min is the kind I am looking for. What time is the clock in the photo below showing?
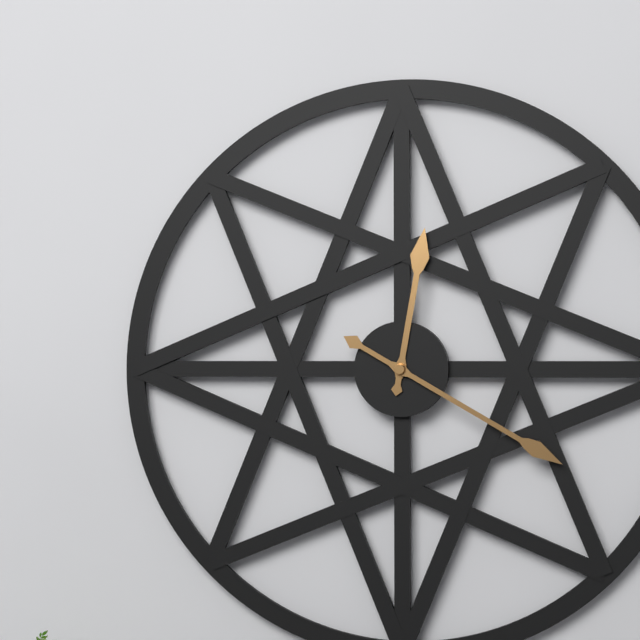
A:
12 h 20 min
